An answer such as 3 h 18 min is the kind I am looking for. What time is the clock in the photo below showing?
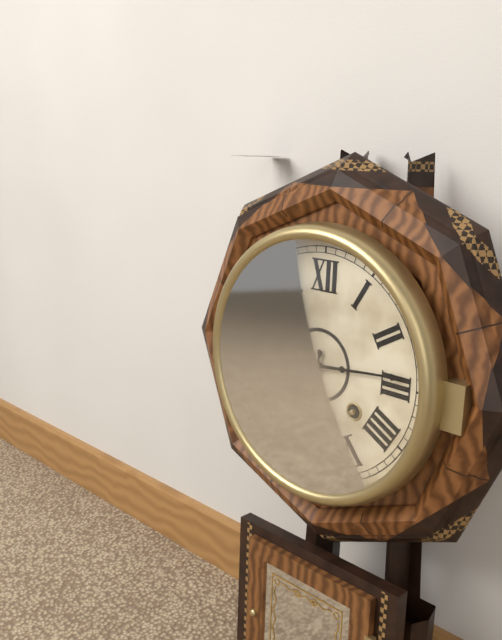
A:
6 h 14 min
